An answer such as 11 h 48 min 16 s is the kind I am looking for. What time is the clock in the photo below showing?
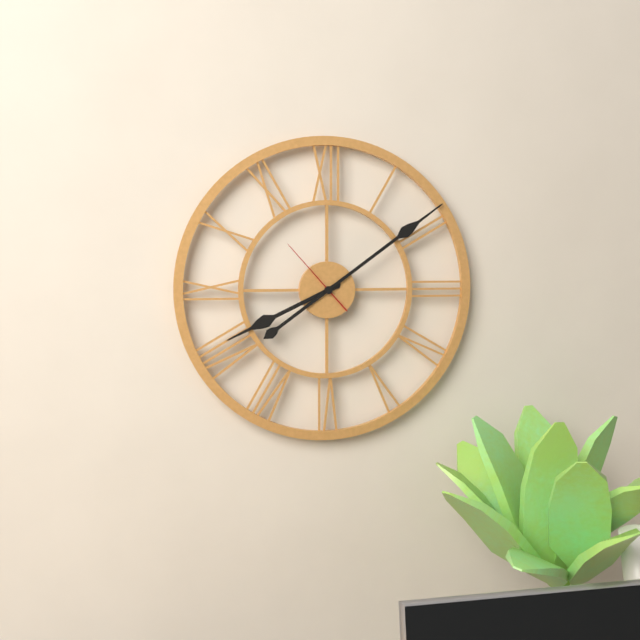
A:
8 h 09 min 53 s
